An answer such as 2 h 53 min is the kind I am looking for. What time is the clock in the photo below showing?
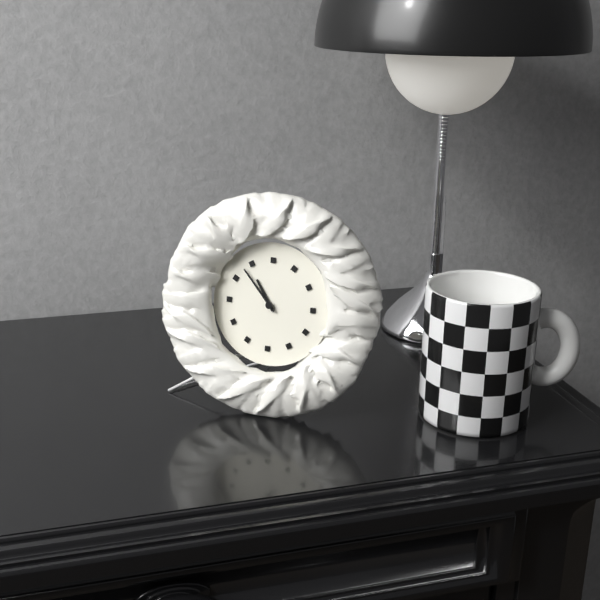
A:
10 h 53 min
